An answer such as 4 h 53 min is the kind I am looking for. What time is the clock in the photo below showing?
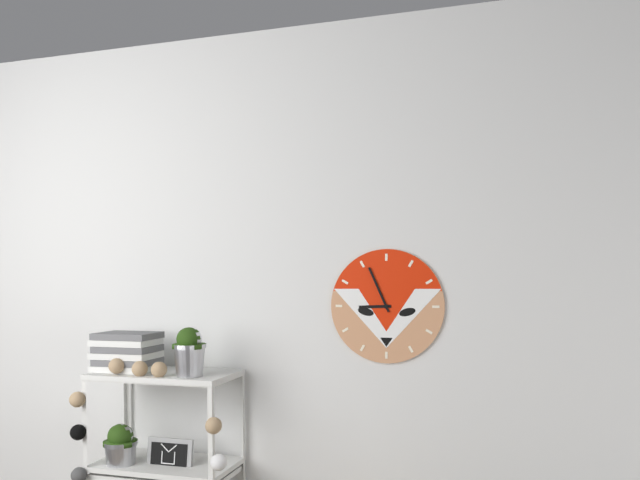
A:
8 h 56 min
